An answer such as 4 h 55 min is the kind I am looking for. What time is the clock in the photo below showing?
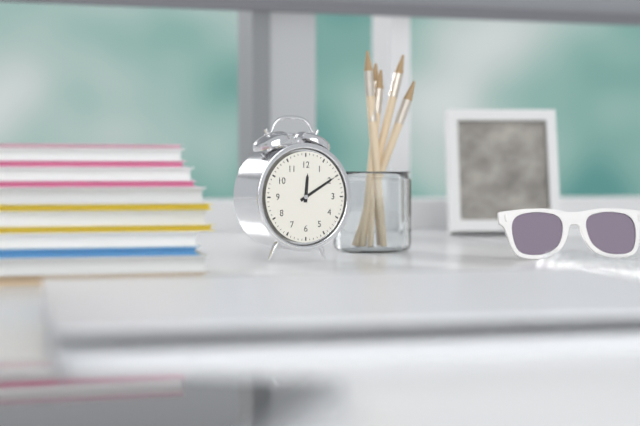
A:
12 h 10 min
